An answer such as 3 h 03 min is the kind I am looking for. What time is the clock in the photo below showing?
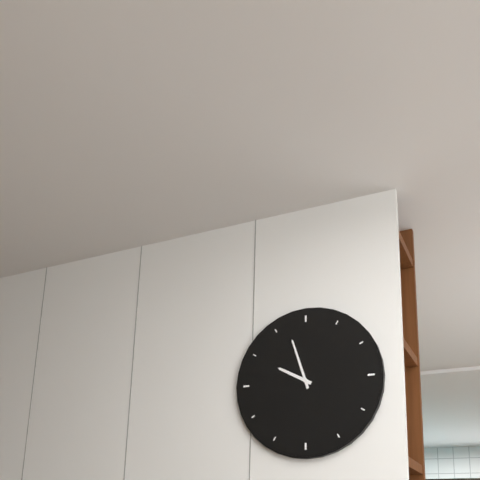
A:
9 h 57 min
